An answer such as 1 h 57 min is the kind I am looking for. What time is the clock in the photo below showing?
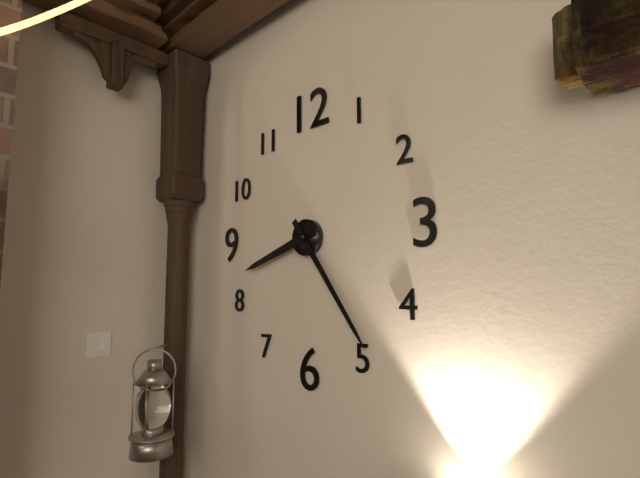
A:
8 h 24 min
